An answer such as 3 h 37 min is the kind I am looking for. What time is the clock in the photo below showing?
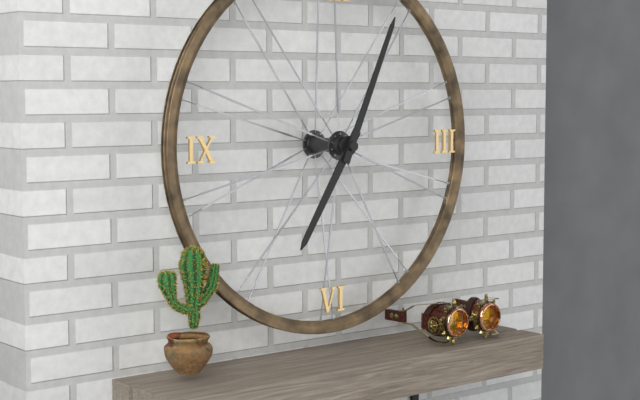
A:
7 h 04 min
